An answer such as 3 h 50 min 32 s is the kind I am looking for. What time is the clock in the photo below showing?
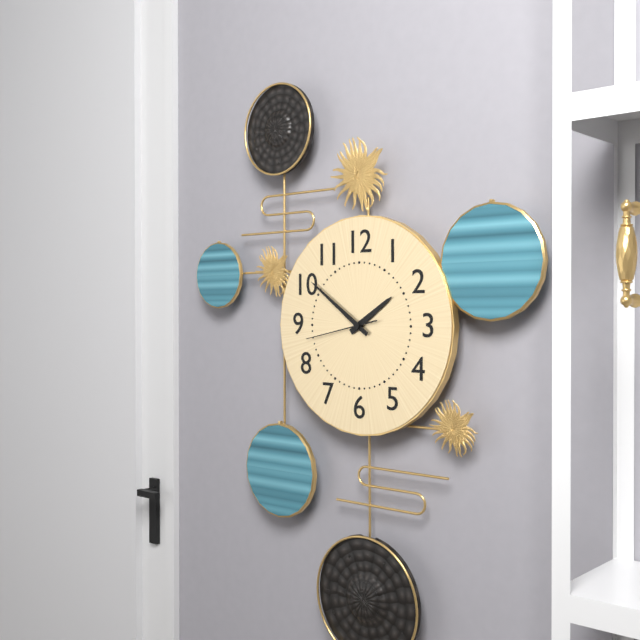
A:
1 h 51 min 43 s
